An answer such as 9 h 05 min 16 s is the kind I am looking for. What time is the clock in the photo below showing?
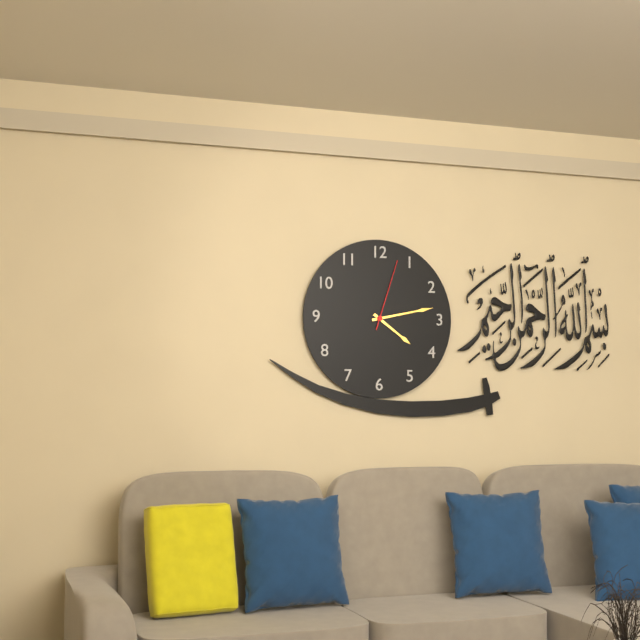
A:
4 h 13 min 03 s
